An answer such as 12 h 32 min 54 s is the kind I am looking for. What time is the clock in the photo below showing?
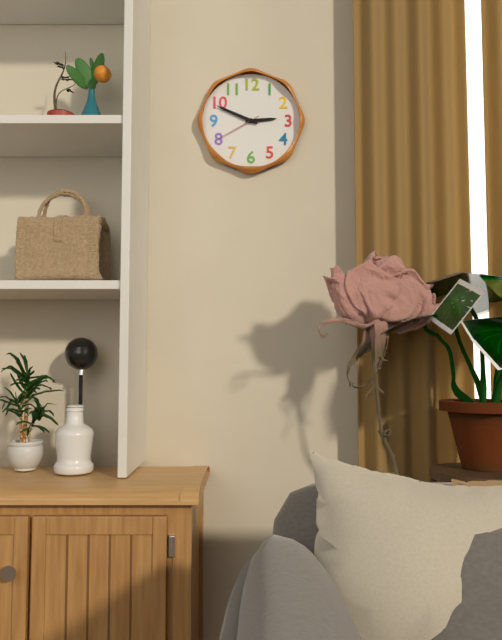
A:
2 h 49 min 40 s
